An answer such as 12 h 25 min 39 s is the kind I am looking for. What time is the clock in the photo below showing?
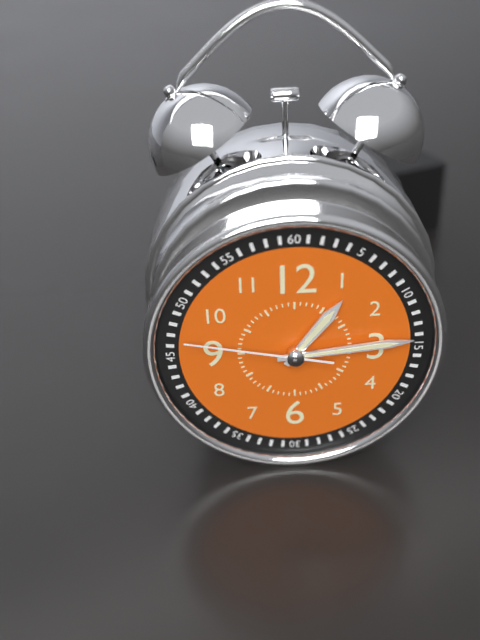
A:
1 h 14 min 47 s
